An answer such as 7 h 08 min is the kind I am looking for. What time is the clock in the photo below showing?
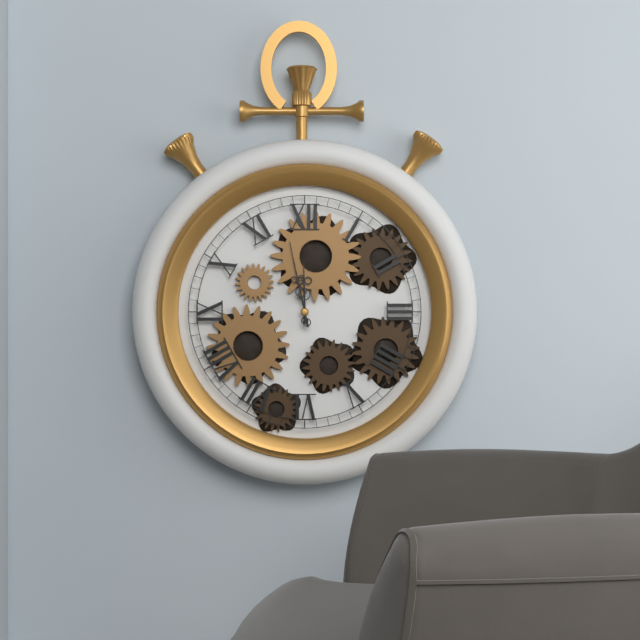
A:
11 h 58 min
